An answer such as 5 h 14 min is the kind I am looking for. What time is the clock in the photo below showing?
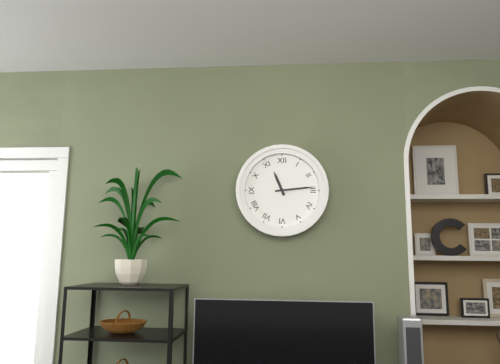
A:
11 h 14 min
